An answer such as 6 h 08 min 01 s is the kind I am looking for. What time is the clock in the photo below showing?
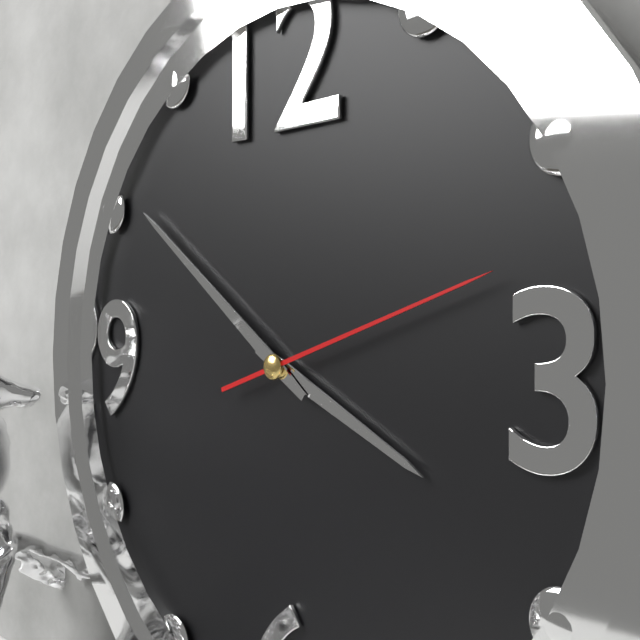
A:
3 h 51 min 12 s
